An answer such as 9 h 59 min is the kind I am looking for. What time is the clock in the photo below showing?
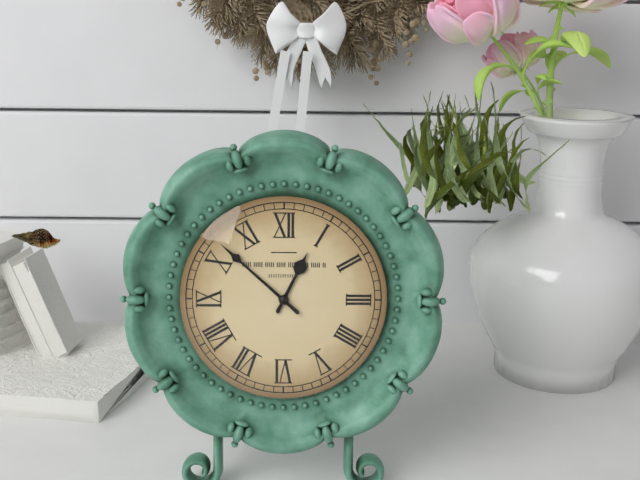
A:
12 h 52 min
